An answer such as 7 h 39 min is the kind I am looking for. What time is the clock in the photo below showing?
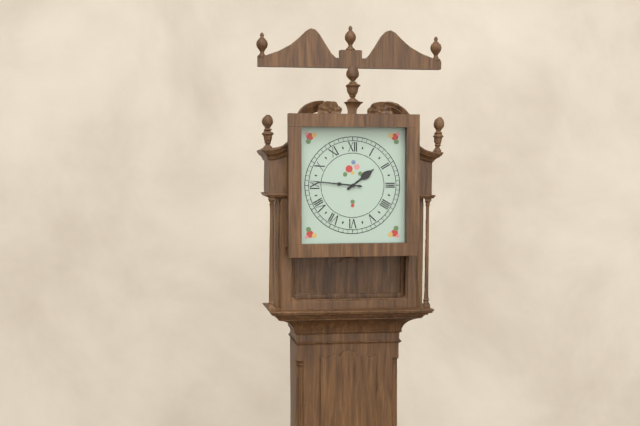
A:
1 h 46 min
